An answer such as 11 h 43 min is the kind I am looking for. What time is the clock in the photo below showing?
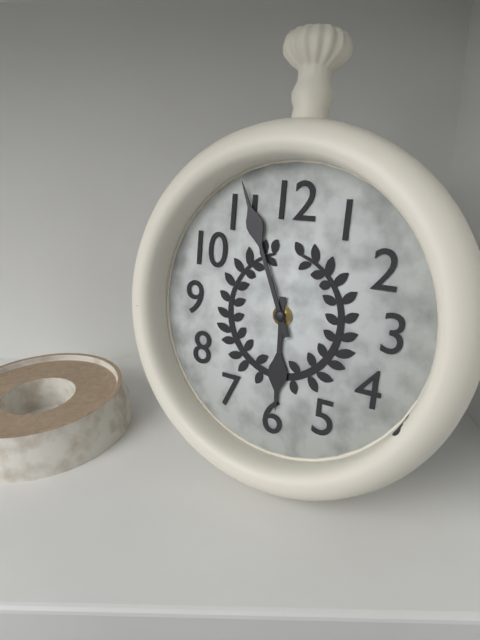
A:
5 h 56 min
